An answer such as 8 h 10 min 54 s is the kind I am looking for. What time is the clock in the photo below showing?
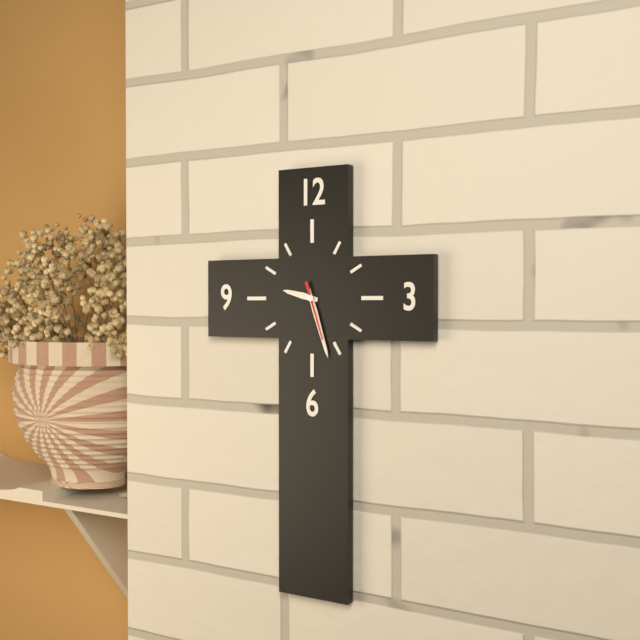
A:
9 h 27 min 27 s
